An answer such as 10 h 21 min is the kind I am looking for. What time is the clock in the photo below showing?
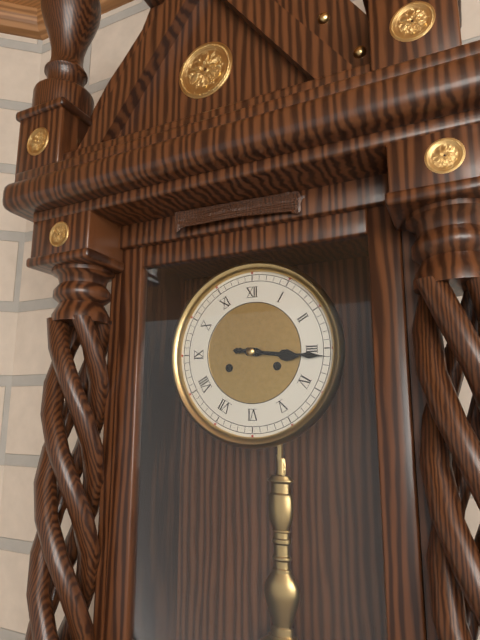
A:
3 h 16 min
